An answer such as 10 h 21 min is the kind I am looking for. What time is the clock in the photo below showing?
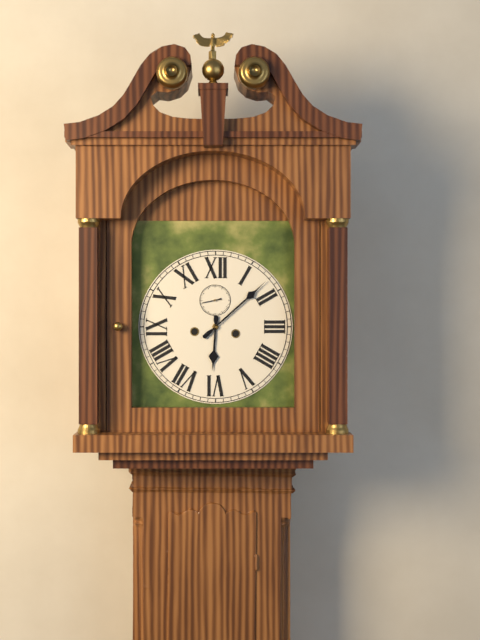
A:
6 h 08 min
